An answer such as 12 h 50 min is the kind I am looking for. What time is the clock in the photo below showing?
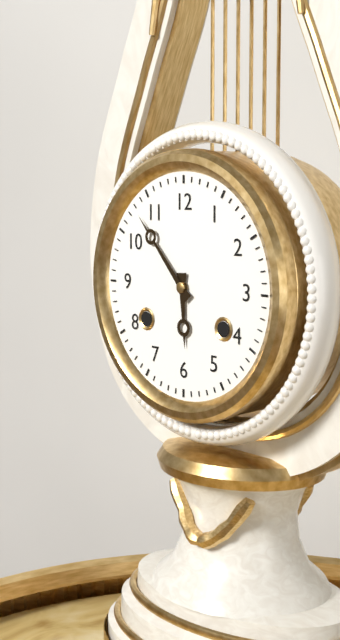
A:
5 h 53 min
